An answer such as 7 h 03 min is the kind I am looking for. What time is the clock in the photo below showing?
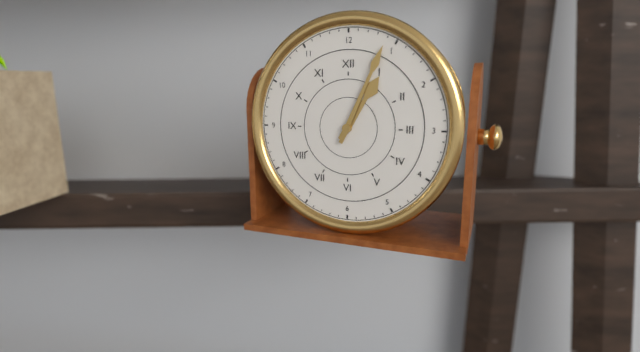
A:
1 h 04 min
